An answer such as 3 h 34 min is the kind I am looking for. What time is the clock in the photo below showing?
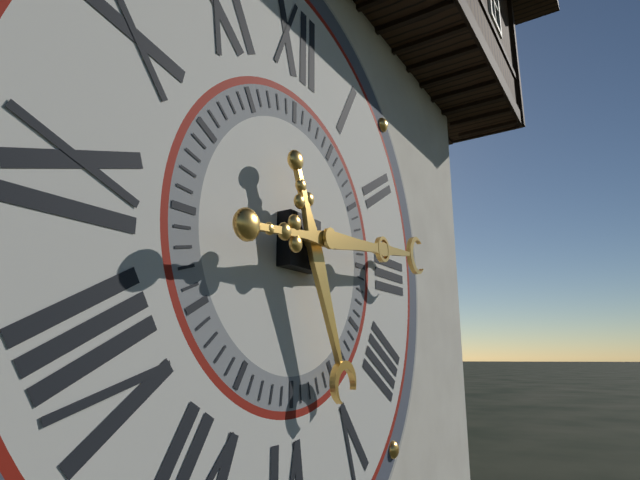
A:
5 h 14 min
